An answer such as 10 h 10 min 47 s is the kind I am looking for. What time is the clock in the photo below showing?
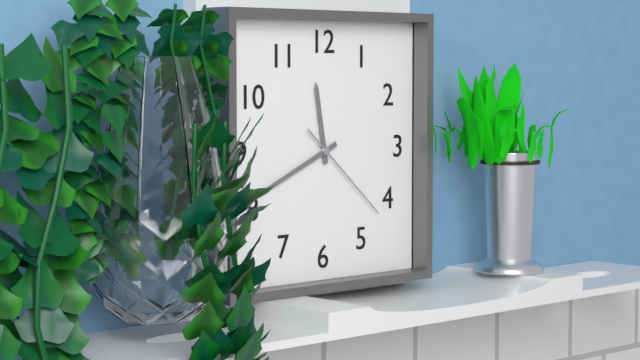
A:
11 h 41 min 22 s
